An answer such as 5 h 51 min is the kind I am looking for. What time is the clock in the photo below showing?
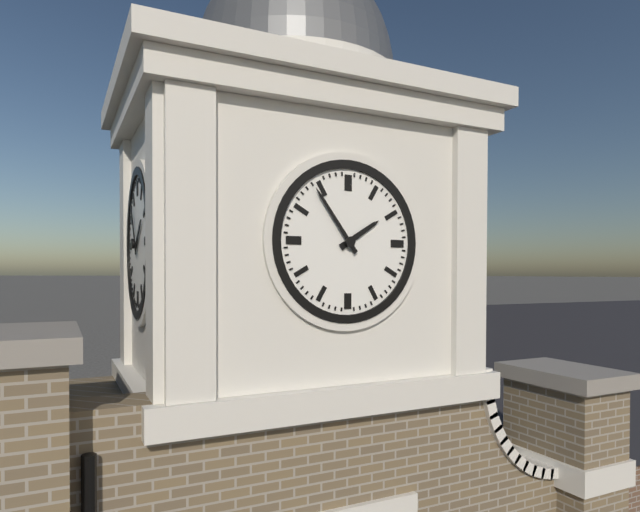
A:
1 h 54 min
